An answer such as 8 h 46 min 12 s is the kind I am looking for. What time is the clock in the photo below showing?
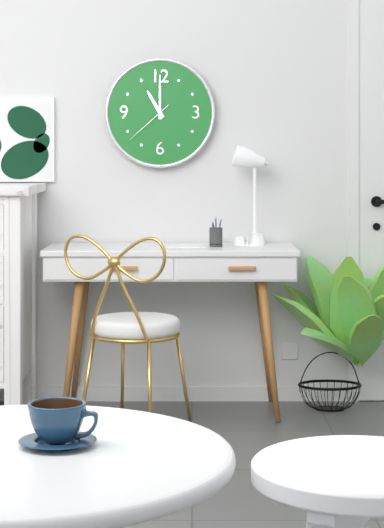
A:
11 h 00 min 38 s
